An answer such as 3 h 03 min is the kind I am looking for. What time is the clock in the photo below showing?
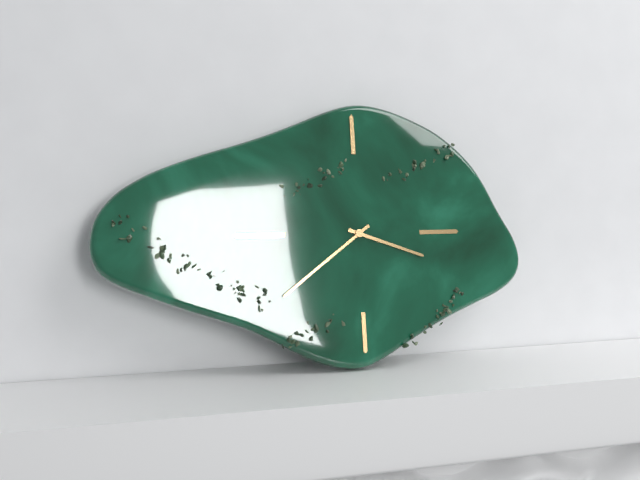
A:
3 h 39 min
